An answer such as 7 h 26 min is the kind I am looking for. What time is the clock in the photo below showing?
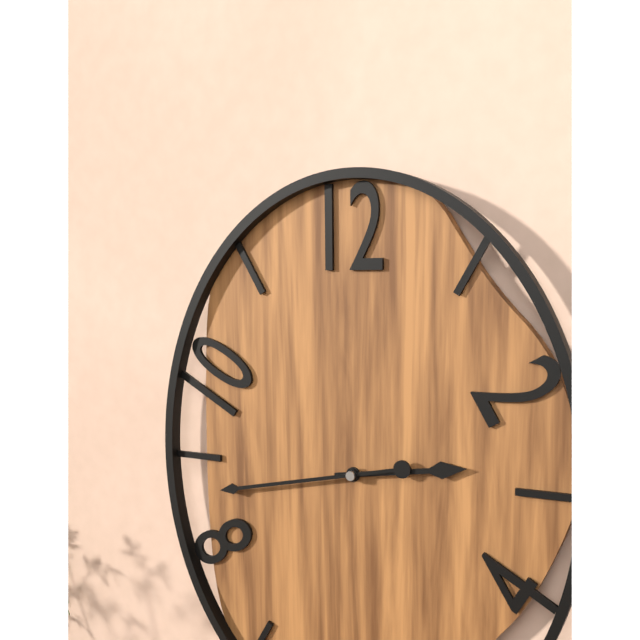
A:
2 h 43 min
